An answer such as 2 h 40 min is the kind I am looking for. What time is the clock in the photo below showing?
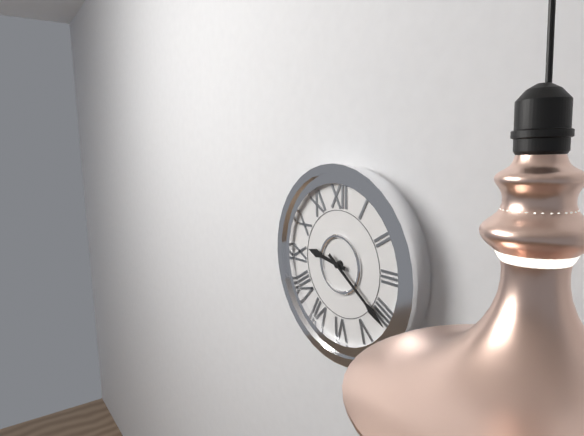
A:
9 h 21 min
